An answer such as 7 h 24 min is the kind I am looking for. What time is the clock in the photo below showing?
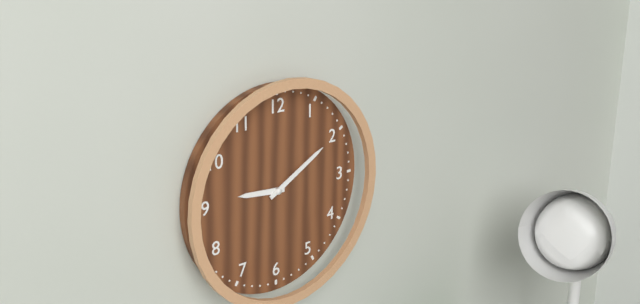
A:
9 h 10 min
